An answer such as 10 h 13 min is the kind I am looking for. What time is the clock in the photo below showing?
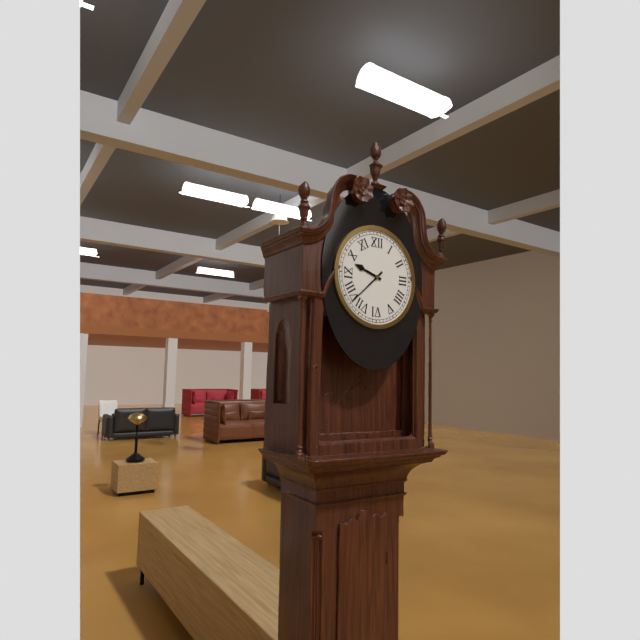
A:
9 h 38 min
